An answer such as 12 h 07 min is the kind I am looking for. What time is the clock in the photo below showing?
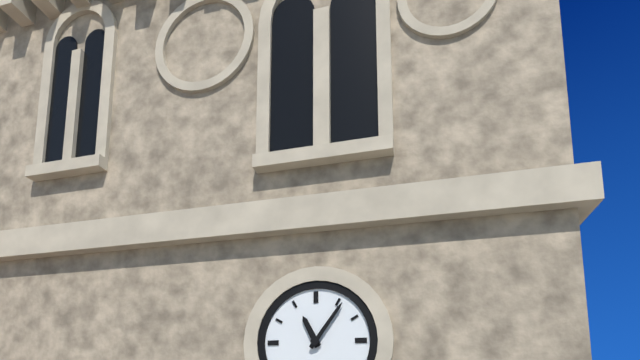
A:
11 h 06 min
